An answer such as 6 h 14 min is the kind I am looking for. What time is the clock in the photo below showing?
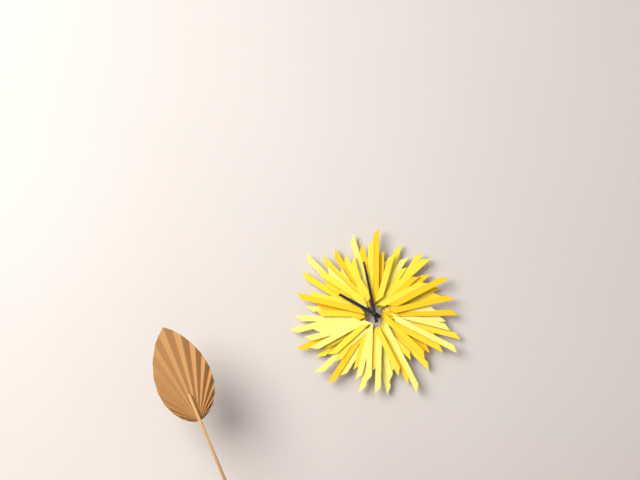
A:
9 h 58 min
